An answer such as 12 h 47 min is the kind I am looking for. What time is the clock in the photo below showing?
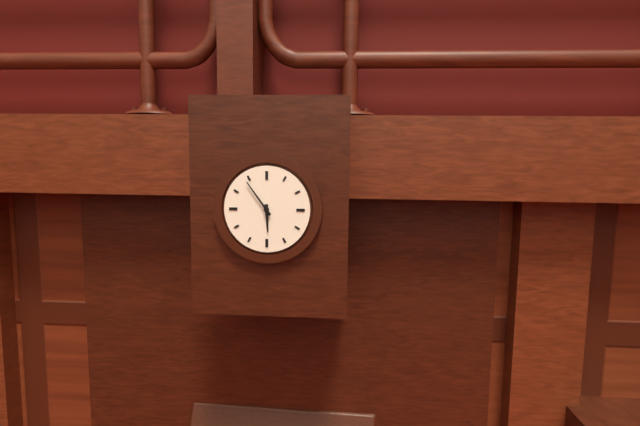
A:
5 h 54 min
